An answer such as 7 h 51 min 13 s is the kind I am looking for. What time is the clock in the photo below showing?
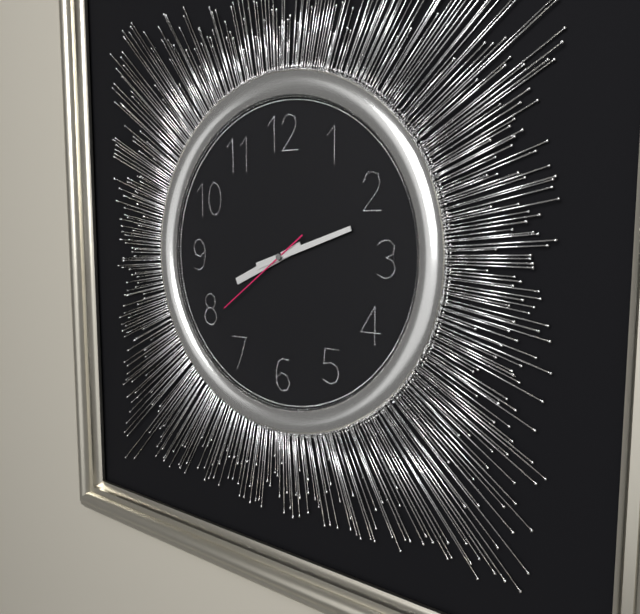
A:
8 h 12 min 39 s
